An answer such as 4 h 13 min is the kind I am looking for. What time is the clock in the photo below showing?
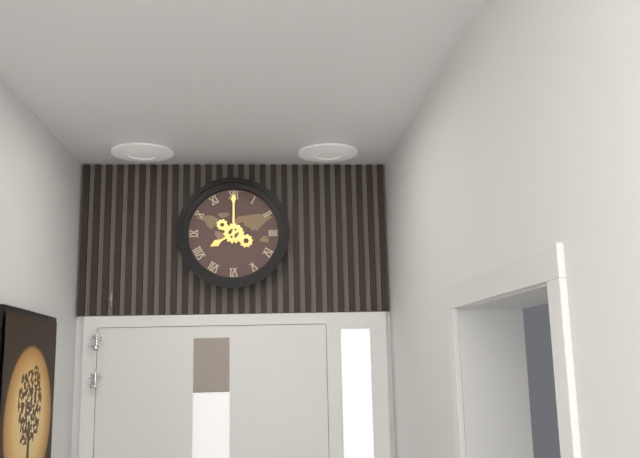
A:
8 h 00 min
